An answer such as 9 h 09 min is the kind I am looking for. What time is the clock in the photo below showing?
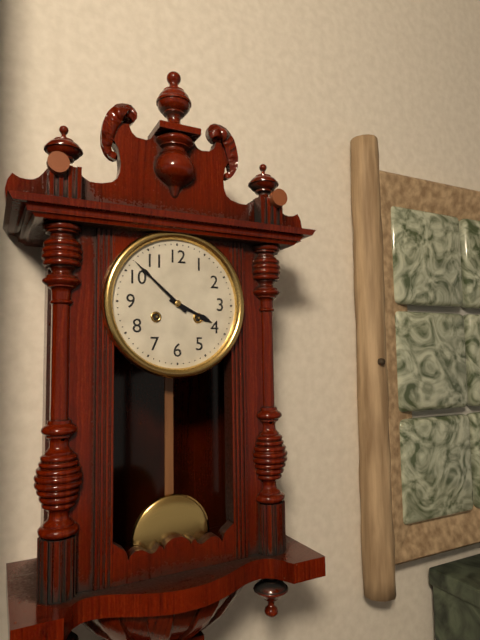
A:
3 h 52 min
